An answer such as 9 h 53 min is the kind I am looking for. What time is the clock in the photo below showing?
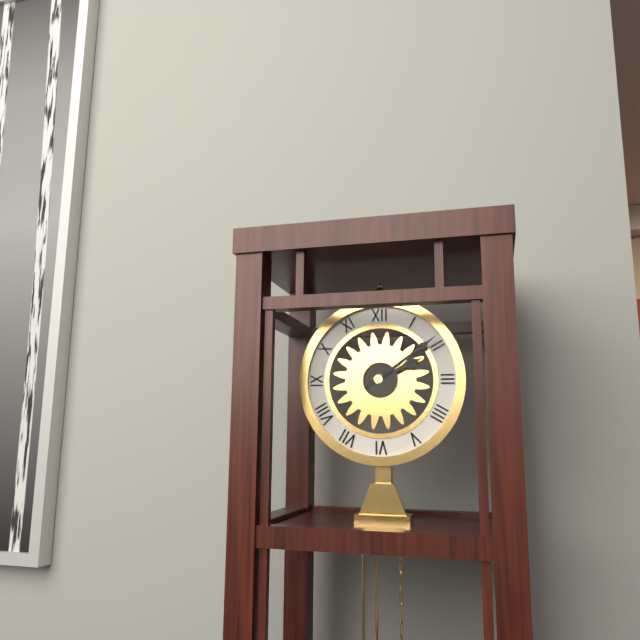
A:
2 h 09 min
